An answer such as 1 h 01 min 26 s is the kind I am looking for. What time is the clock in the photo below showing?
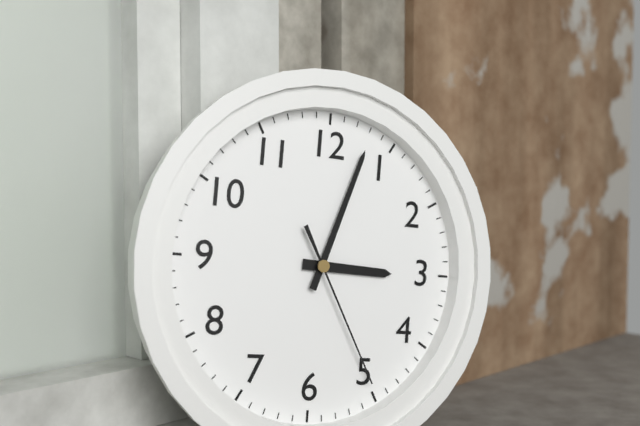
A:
3 h 03 min 25 s
